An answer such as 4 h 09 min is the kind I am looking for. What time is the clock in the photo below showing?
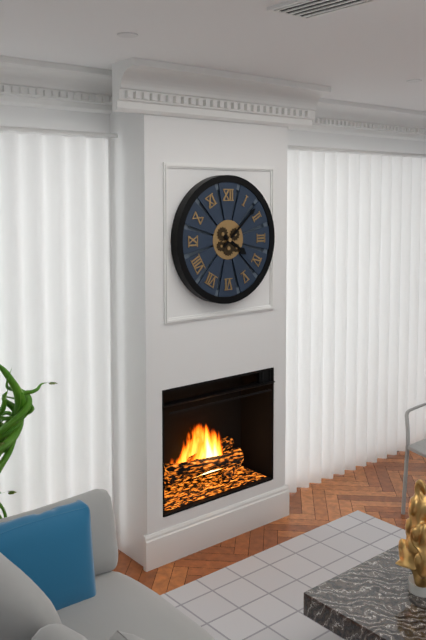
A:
4 h 08 min
